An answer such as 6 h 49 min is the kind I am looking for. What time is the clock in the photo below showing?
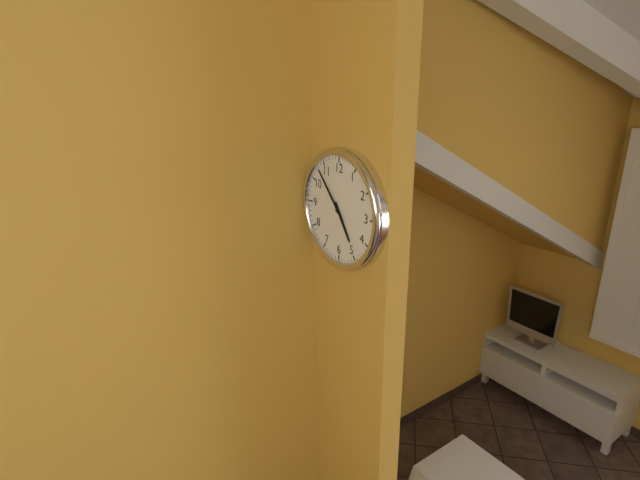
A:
4 h 53 min
